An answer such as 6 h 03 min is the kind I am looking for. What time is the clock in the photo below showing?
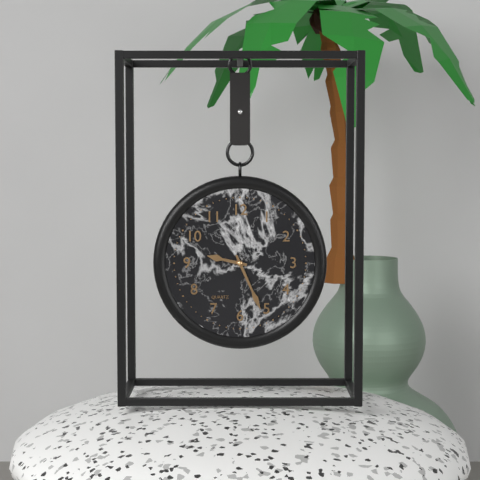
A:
9 h 26 min
